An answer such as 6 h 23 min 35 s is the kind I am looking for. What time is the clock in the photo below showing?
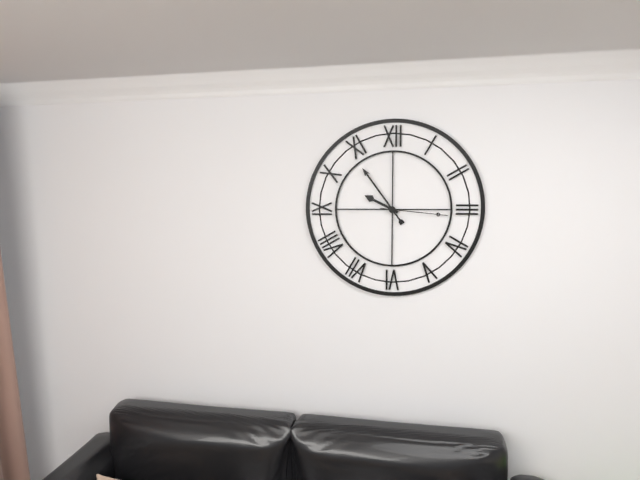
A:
9 h 54 min 16 s
